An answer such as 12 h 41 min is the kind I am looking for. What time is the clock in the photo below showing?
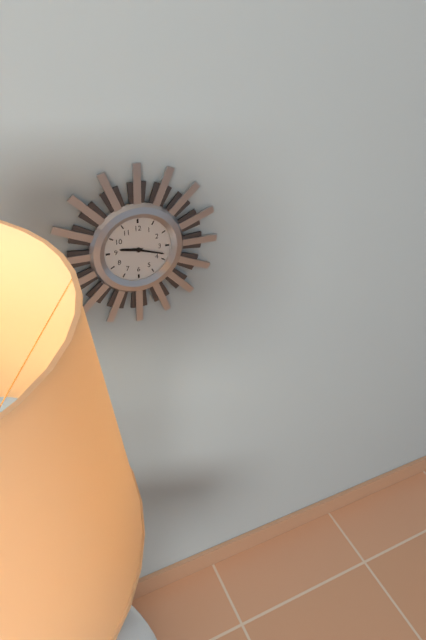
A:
9 h 18 min
